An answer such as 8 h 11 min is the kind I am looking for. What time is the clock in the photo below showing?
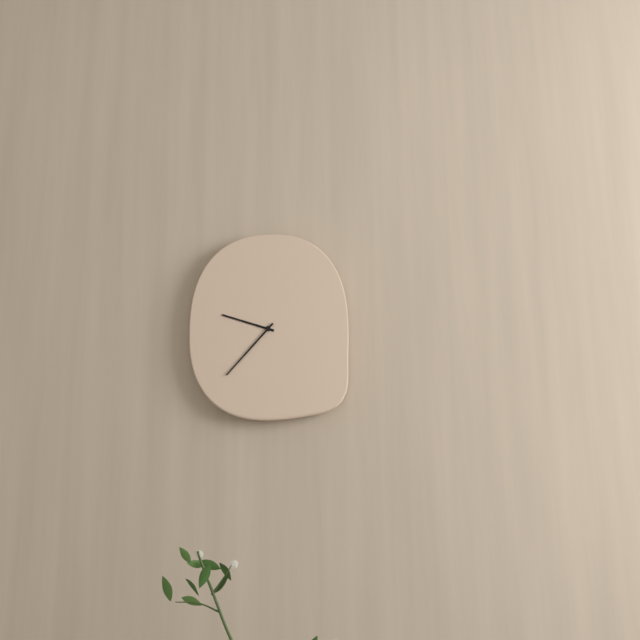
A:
9 h 37 min
